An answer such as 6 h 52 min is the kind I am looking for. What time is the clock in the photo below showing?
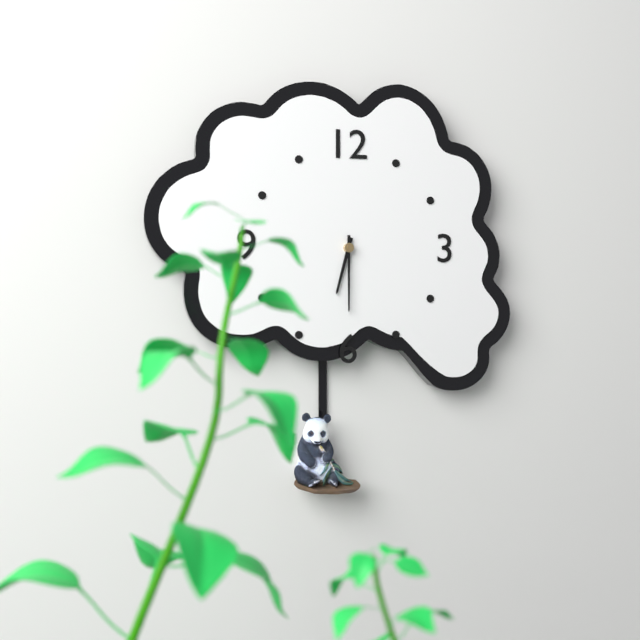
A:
6 h 30 min
